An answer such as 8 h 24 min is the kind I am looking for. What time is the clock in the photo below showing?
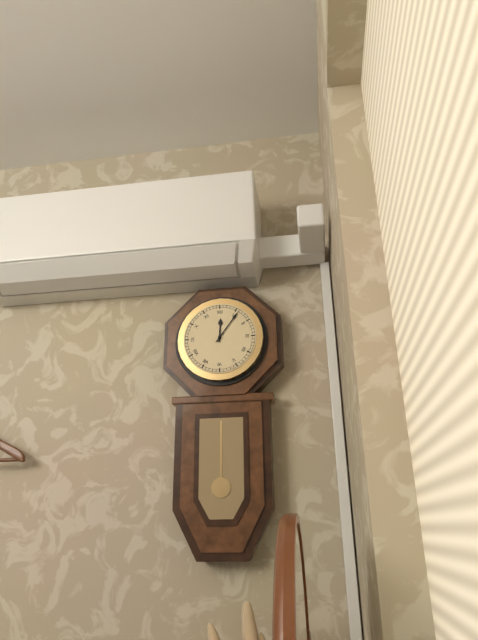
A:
12 h 06 min
